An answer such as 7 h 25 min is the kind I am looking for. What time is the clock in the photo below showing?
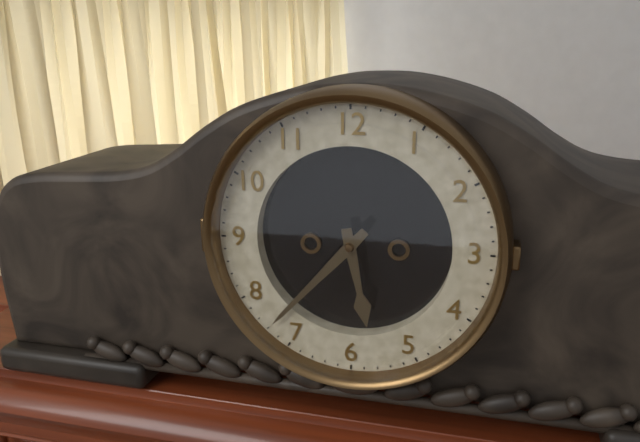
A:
5 h 37 min
